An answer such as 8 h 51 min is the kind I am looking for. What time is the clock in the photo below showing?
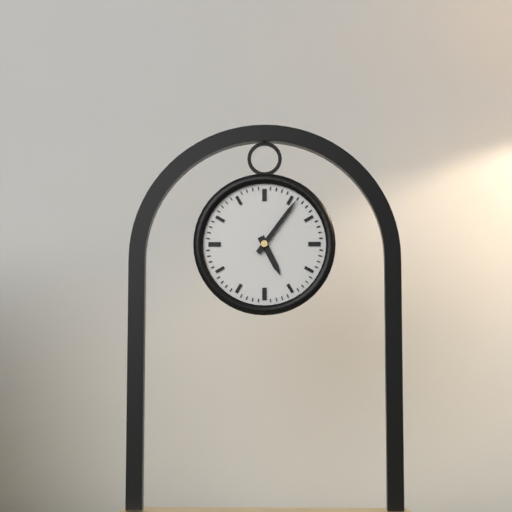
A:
5 h 06 min
